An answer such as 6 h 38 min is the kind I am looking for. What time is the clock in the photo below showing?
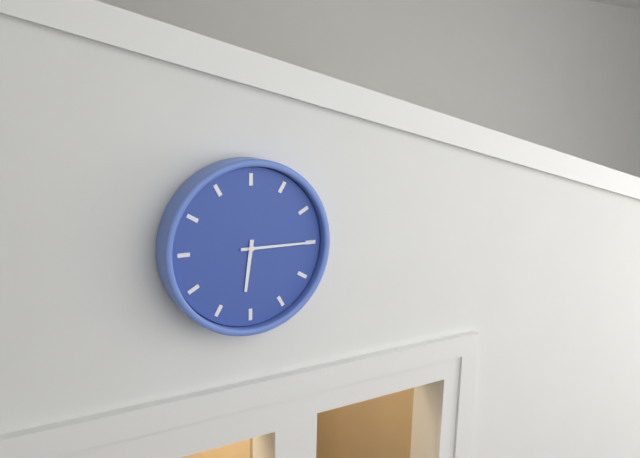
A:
6 h 15 min
